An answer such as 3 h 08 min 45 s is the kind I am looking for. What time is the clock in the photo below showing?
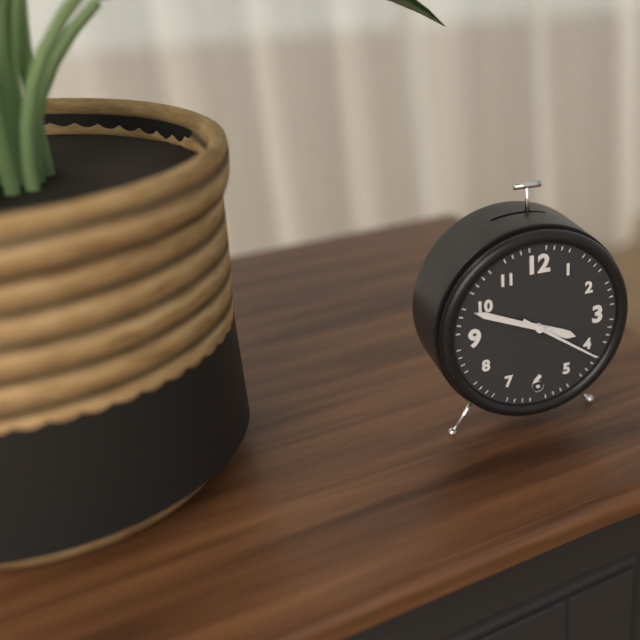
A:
3 h 49 min 21 s
